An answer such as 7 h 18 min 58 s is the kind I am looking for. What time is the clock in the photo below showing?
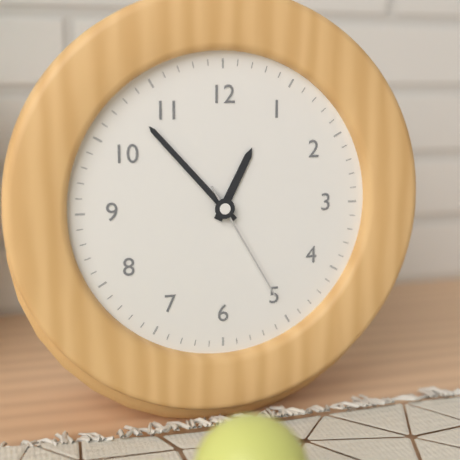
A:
12 h 53 min 25 s
